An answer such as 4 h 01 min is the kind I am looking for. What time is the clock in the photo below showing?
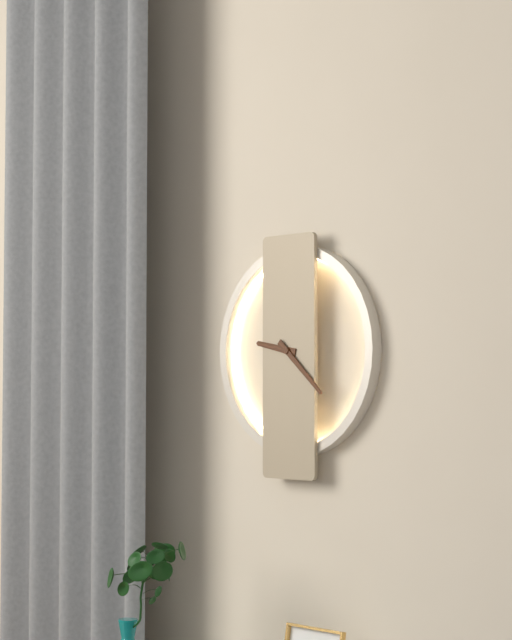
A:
9 h 22 min
